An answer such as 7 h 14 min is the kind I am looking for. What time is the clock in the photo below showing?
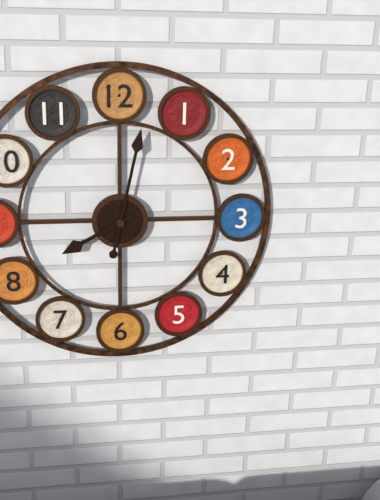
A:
8 h 02 min
